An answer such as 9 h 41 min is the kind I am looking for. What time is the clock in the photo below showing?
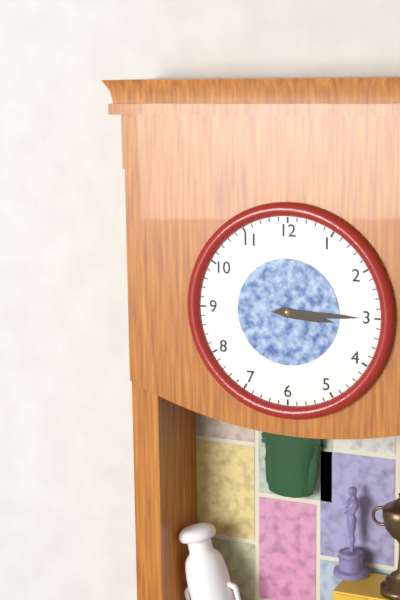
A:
3 h 15 min
